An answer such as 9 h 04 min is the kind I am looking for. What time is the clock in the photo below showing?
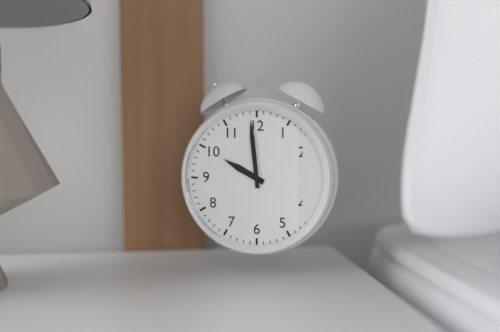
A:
9 h 59 min
